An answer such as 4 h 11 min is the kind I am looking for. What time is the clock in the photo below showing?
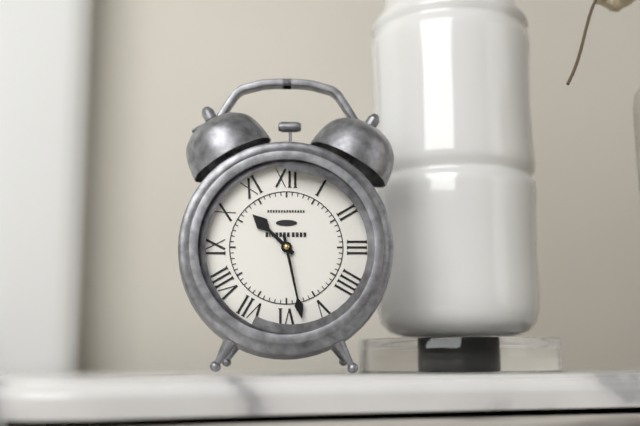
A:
10 h 28 min
